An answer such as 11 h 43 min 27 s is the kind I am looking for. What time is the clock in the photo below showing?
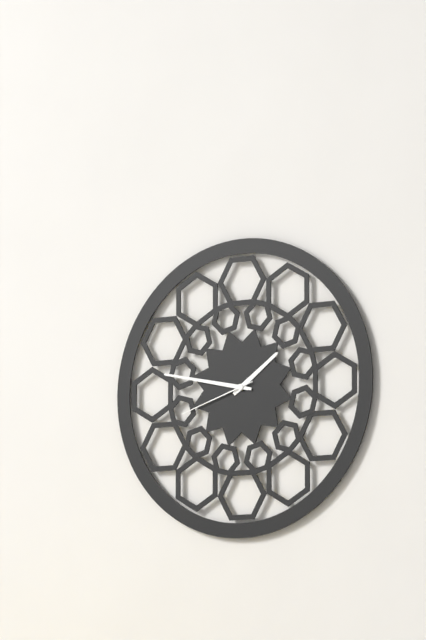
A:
1 h 47 min 42 s
